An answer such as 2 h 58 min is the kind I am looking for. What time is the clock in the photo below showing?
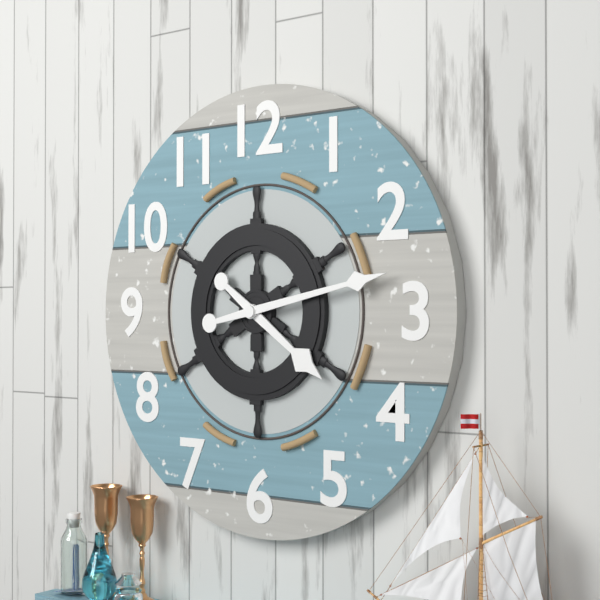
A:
4 h 13 min
